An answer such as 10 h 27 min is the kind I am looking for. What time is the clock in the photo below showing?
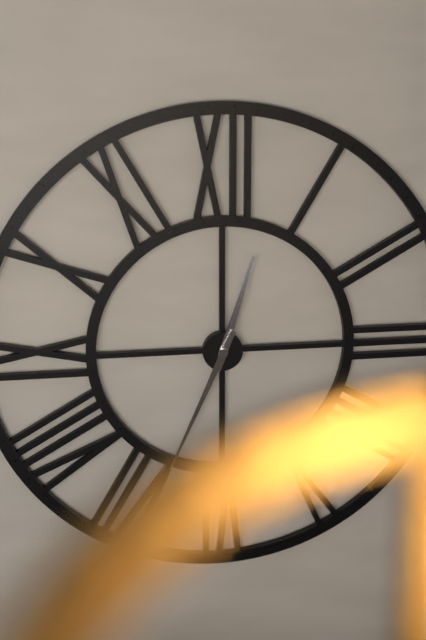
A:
12 h 34 min
